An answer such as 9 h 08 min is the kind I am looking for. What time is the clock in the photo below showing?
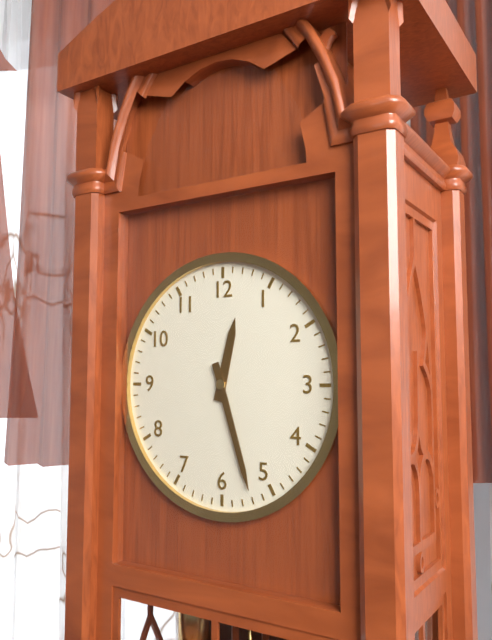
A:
12 h 27 min
